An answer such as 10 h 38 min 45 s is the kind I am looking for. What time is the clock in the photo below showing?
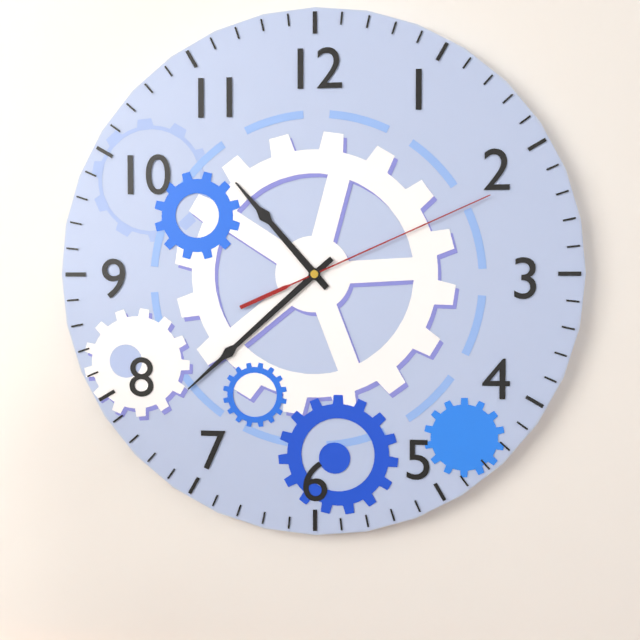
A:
10 h 38 min 11 s
